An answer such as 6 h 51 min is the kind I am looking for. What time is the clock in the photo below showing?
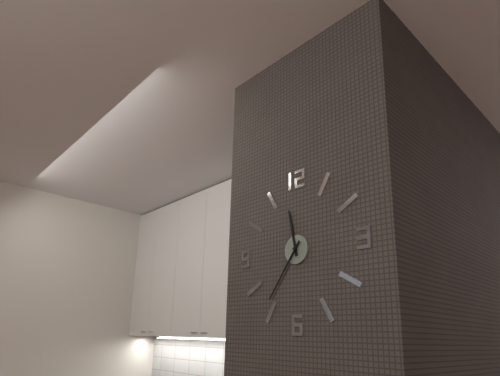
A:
11 h 36 min
